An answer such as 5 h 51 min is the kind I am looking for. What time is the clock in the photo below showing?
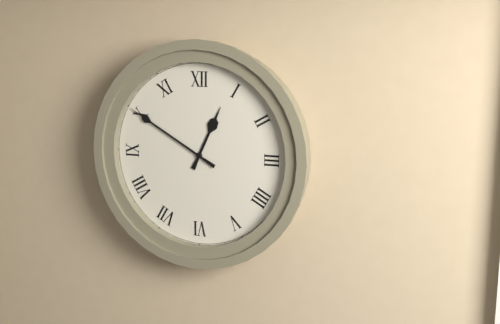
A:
12 h 50 min
